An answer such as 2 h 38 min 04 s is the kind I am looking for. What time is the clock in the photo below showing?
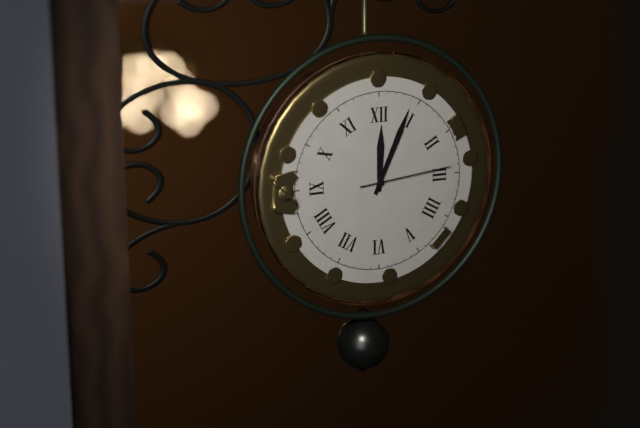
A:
12 h 04 min 14 s
